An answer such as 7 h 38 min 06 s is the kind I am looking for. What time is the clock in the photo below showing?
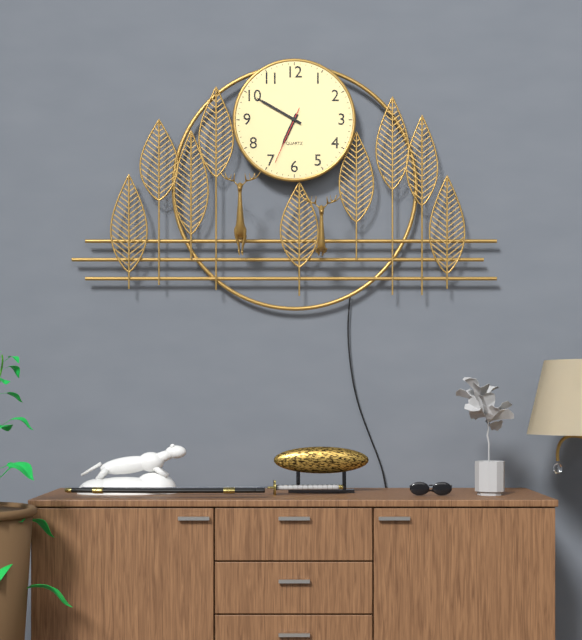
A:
6 h 50 min 34 s
